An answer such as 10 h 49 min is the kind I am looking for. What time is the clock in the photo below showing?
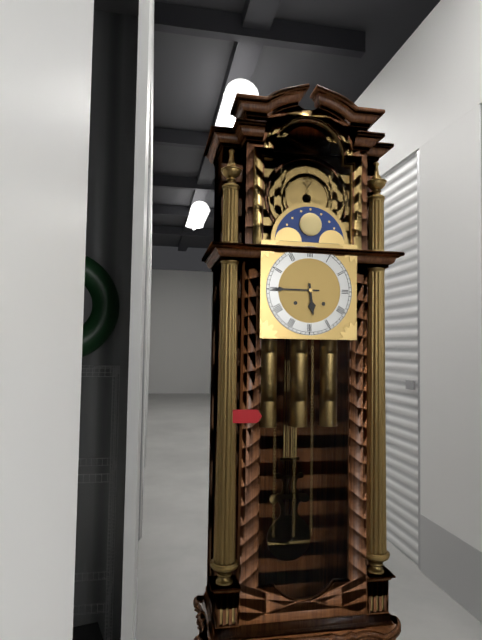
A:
5 h 45 min
